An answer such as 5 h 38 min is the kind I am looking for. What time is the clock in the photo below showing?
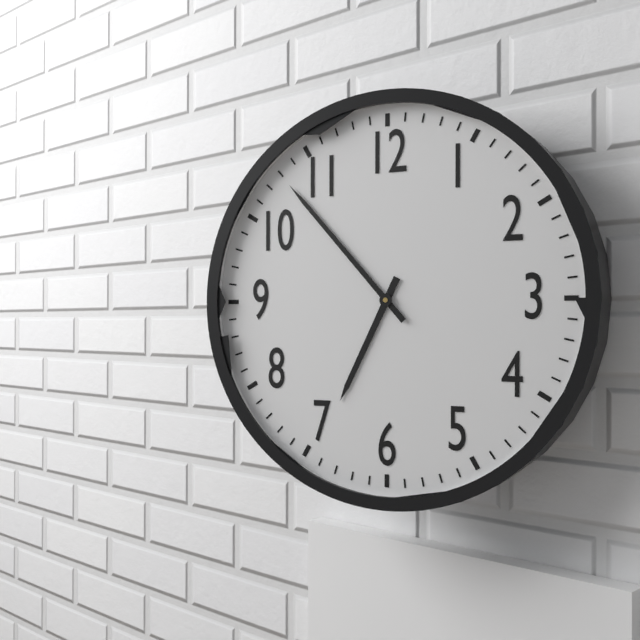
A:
6 h 53 min
